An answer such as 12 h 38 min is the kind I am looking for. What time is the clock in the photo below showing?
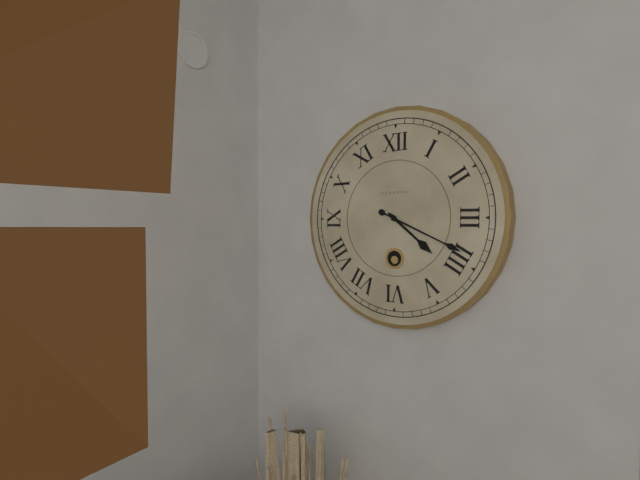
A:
4 h 19 min
